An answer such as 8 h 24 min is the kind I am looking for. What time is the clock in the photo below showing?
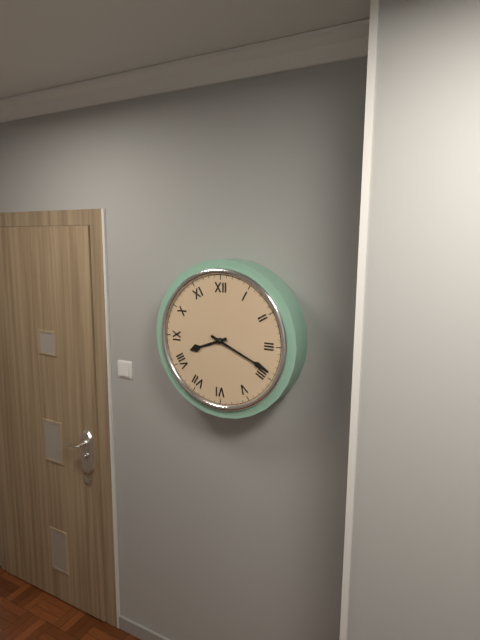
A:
8 h 19 min
